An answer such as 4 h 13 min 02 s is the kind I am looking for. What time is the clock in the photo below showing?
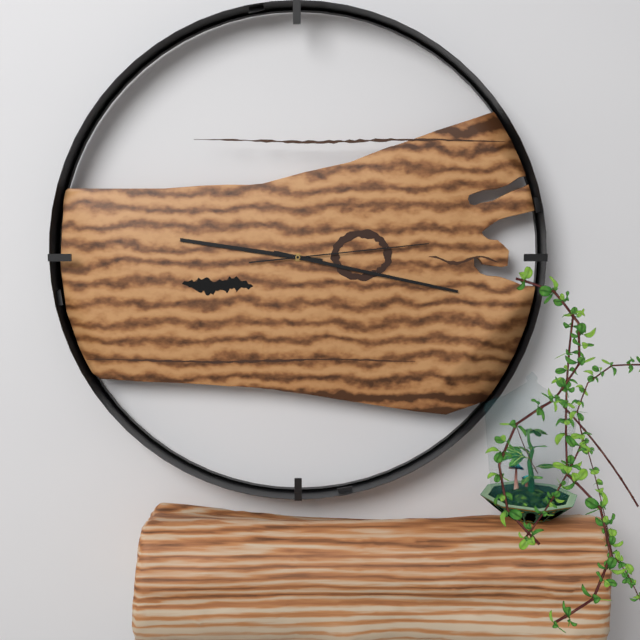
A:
9 h 17 min 14 s
